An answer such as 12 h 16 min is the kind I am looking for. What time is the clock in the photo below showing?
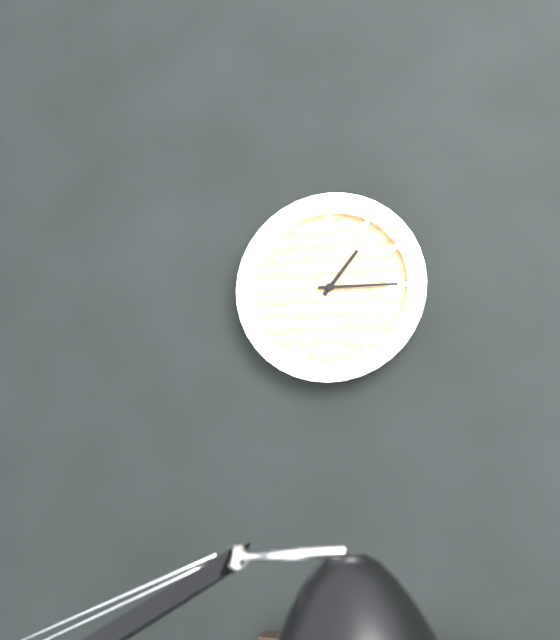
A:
1 h 15 min
